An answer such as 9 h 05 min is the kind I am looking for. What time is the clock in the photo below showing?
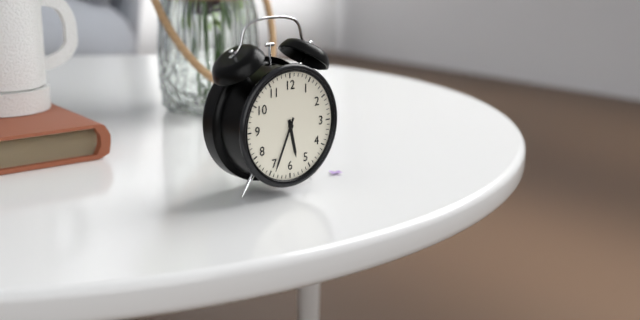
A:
5 h 34 min
